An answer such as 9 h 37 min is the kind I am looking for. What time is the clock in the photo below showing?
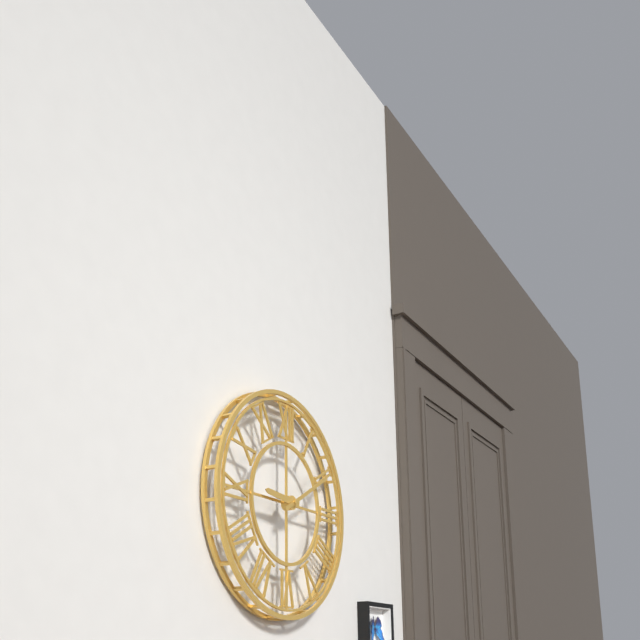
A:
9 h 10 min
